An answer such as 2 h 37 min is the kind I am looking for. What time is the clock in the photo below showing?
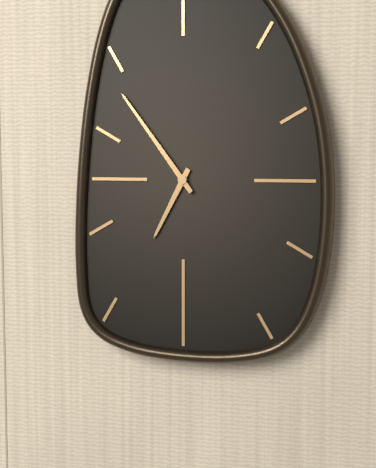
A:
6 h 54 min
